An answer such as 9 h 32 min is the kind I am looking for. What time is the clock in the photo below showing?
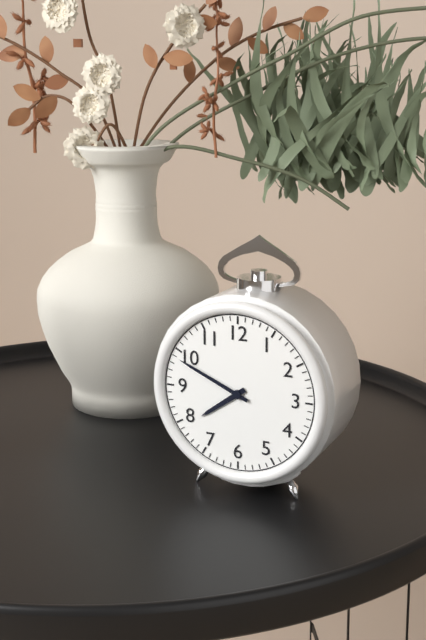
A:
7 h 49 min
